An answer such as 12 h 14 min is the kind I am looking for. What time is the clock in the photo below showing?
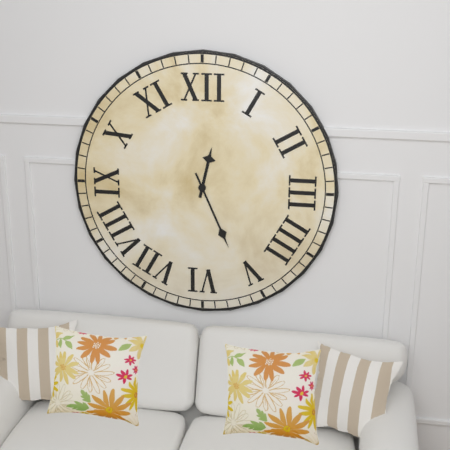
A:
12 h 26 min
